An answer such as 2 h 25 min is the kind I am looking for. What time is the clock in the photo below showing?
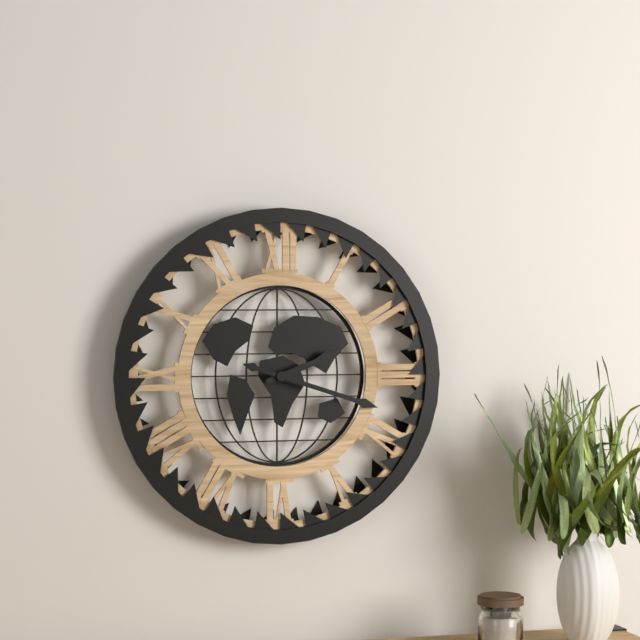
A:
2 h 18 min
